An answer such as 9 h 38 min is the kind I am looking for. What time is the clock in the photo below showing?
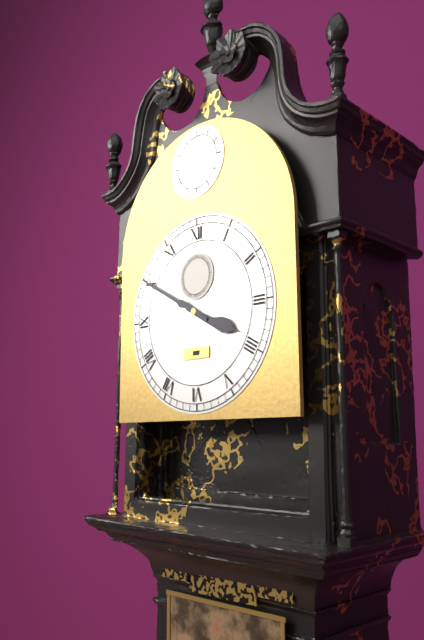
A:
3 h 50 min
